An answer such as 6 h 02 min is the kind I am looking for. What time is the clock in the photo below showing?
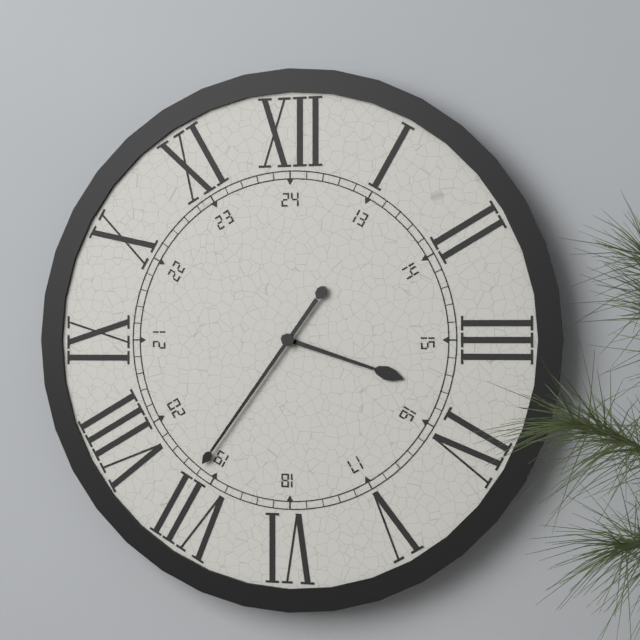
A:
3 h 36 min
